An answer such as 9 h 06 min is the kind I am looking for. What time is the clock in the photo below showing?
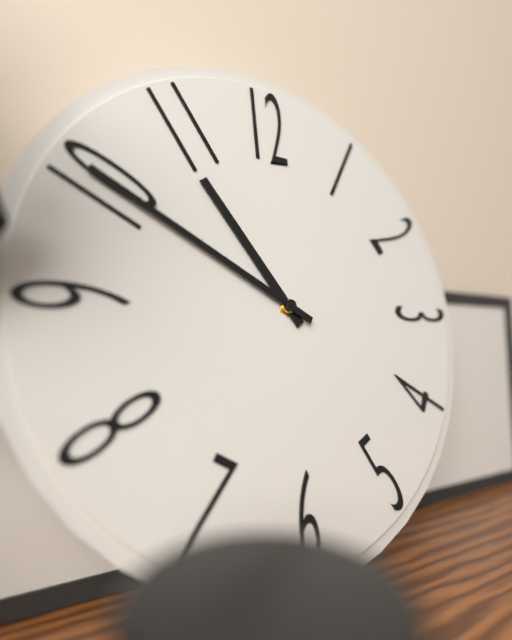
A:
10 h 50 min
